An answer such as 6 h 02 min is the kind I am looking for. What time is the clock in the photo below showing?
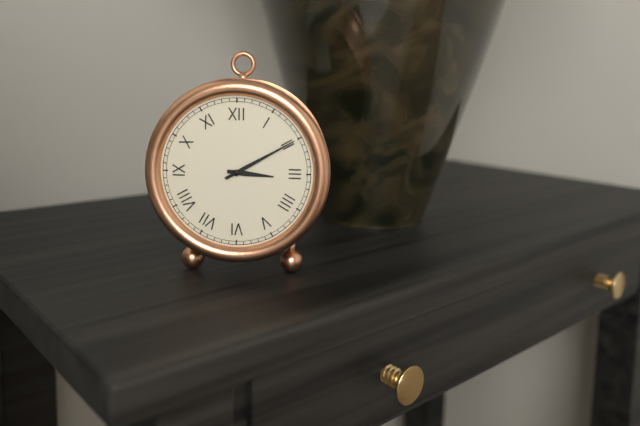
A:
3 h 10 min
